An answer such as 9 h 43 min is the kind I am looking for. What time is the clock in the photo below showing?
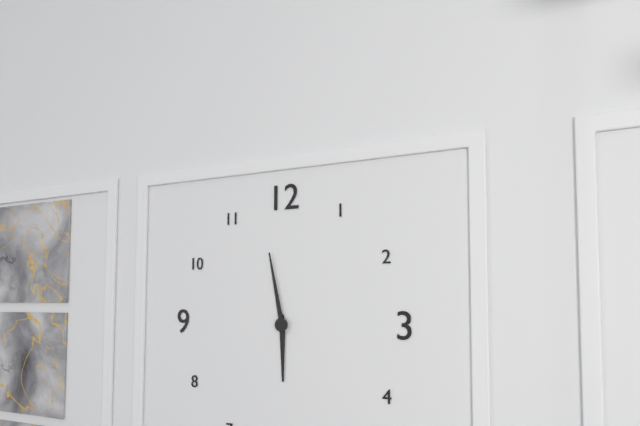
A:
5 h 58 min
